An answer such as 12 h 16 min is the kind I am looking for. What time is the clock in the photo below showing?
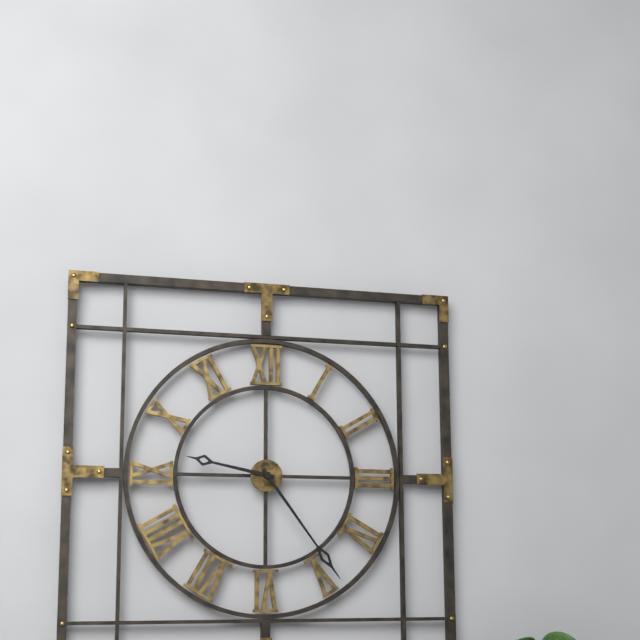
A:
9 h 24 min
